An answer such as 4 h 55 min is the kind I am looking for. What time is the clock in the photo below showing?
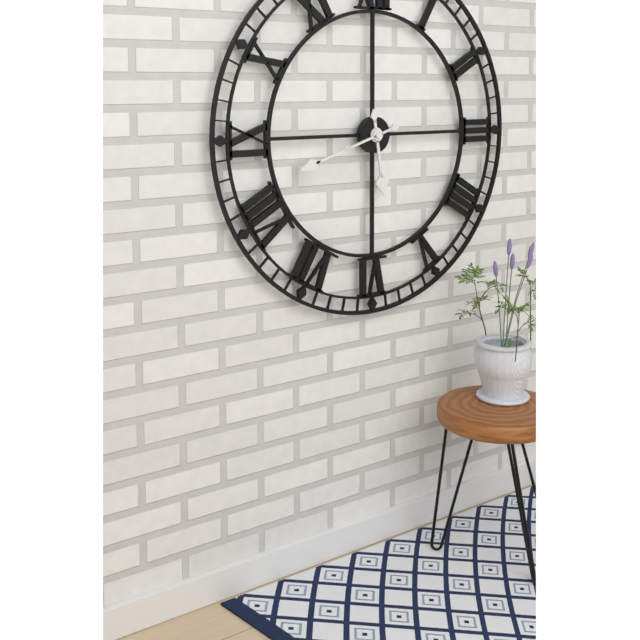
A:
5 h 42 min
